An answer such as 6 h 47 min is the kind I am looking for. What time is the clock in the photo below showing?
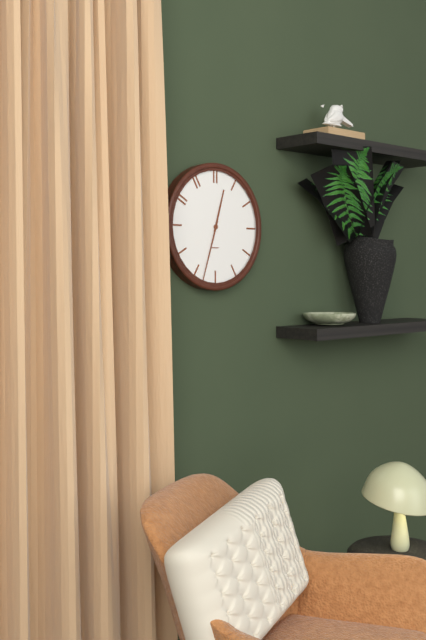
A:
12 h 33 min
